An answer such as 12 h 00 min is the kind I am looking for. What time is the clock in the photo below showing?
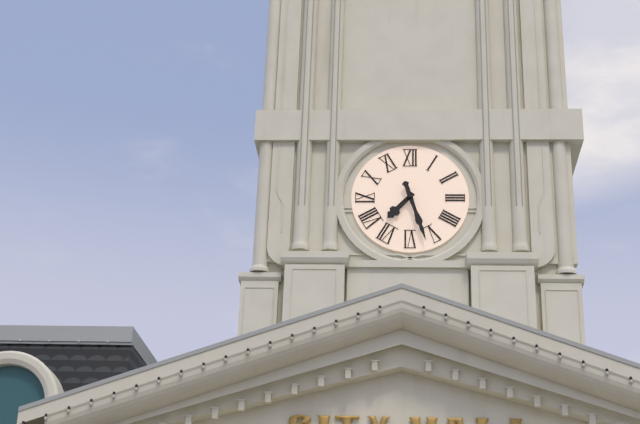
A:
7 h 27 min
